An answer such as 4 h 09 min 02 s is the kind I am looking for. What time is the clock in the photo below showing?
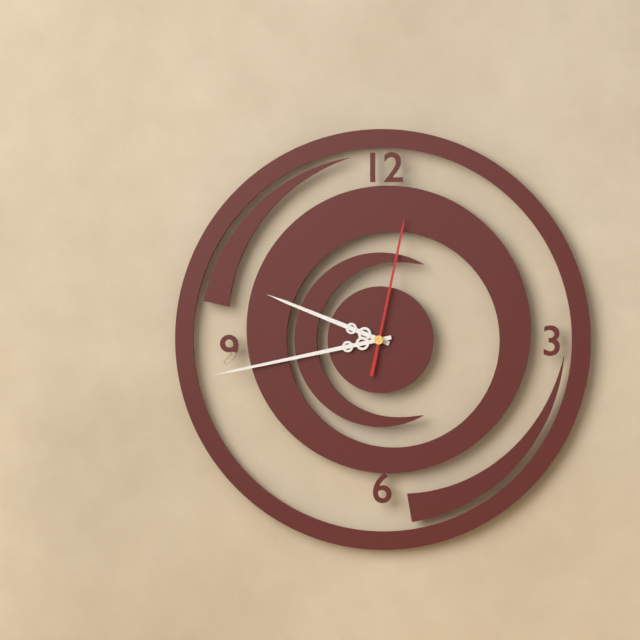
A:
9 h 43 min 02 s
